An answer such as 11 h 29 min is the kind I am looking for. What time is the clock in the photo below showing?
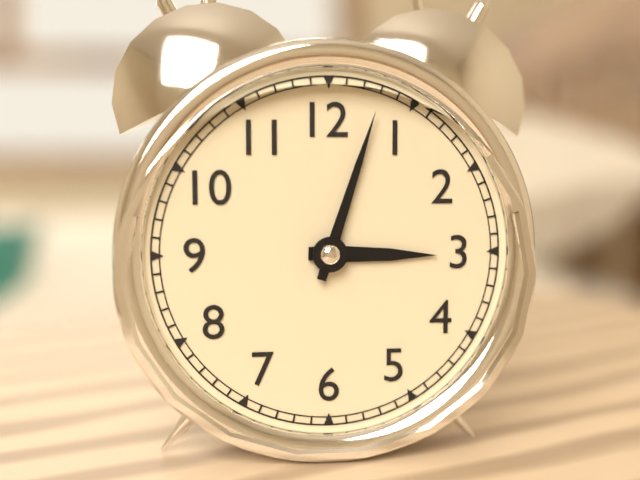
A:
3 h 03 min
